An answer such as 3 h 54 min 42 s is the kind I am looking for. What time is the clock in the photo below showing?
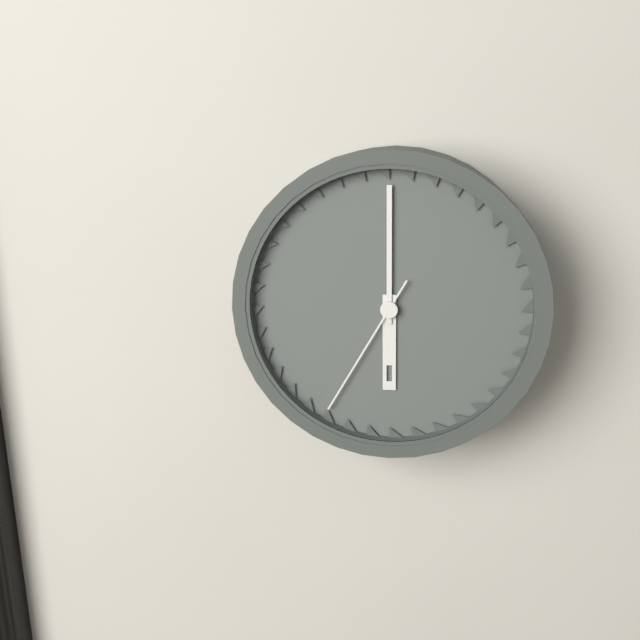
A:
6 h 00 min 35 s
